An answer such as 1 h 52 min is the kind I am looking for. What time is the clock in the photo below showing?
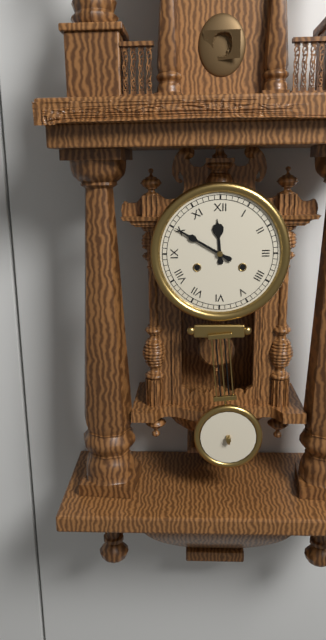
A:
11 h 50 min
